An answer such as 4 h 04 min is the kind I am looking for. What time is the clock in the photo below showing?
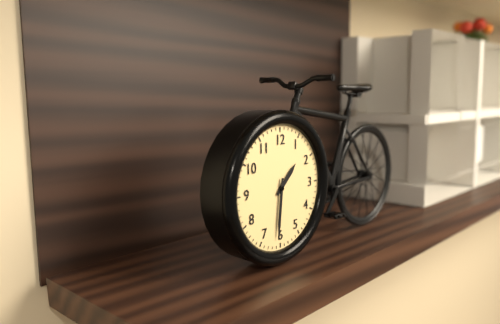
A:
1 h 31 min
